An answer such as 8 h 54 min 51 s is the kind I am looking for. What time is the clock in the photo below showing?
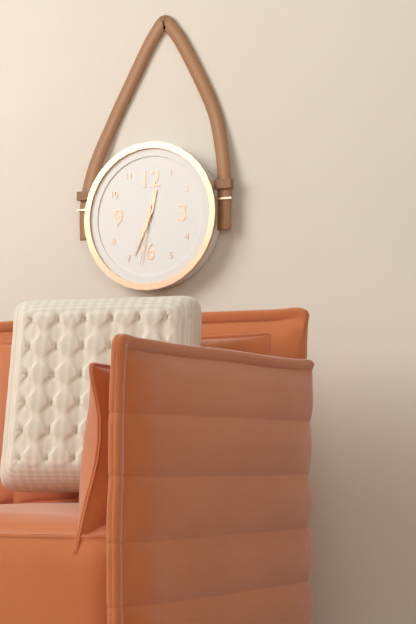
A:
12 h 34 min 32 s
